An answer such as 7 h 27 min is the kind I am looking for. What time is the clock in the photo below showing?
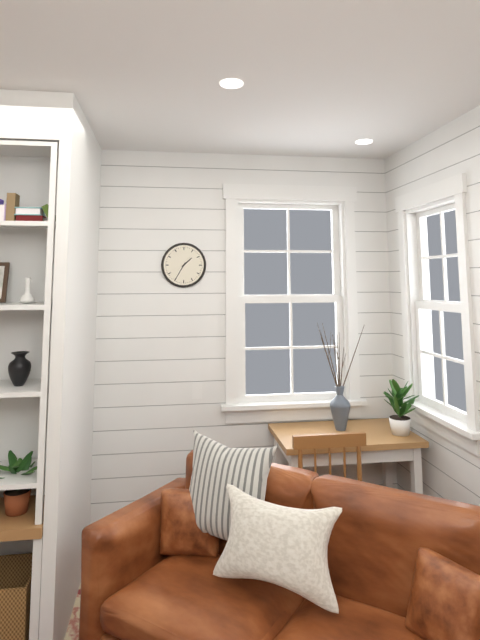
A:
1 h 35 min
